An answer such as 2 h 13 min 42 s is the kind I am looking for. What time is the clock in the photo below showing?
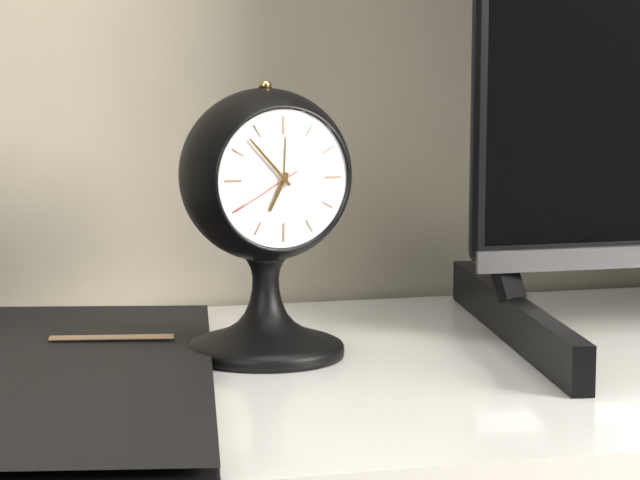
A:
6 h 53 min 40 s
